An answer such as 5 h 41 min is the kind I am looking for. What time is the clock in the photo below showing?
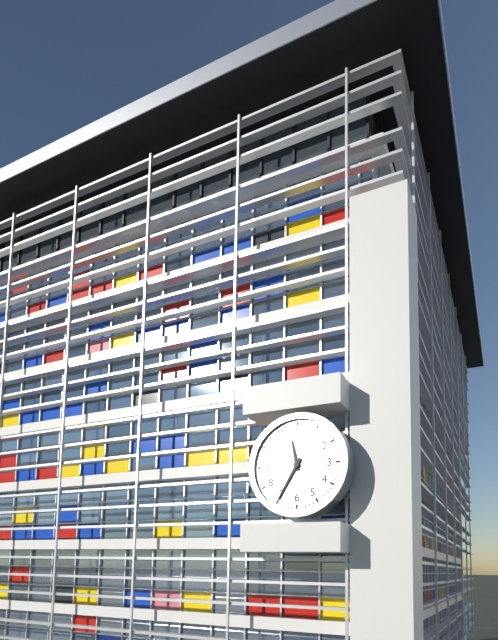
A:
11 h 35 min
